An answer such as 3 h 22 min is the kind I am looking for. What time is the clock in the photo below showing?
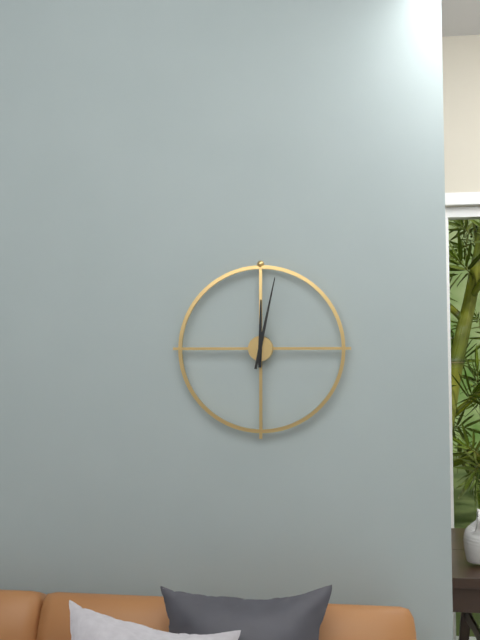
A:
12 h 02 min
